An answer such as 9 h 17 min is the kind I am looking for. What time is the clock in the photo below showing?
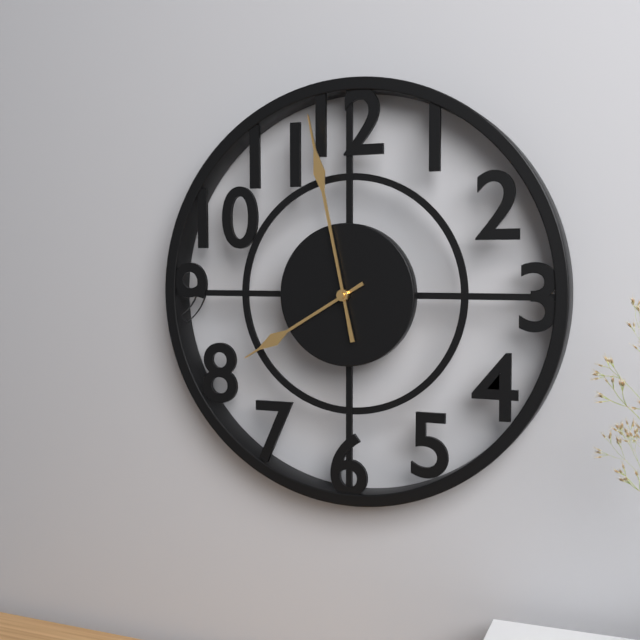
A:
7 h 58 min
